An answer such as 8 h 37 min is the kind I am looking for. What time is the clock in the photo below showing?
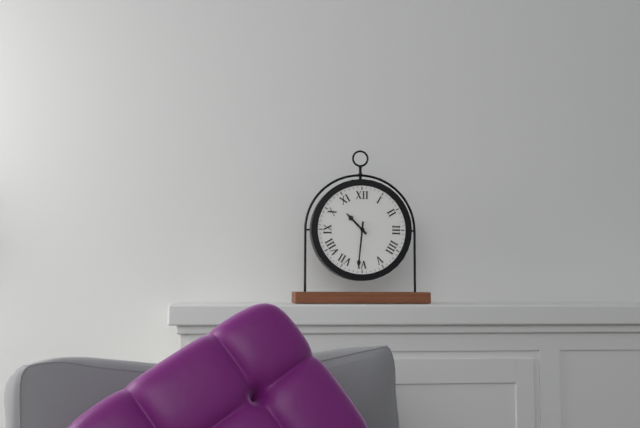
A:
10 h 31 min
